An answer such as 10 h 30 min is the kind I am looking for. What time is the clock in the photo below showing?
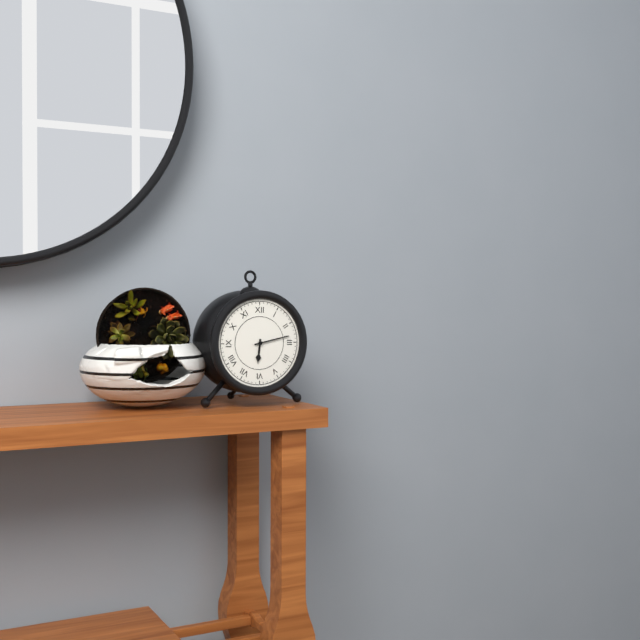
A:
6 h 13 min
